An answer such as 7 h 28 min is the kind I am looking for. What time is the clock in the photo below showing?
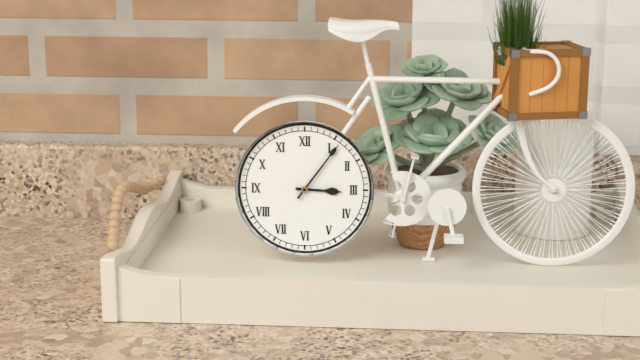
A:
3 h 06 min
